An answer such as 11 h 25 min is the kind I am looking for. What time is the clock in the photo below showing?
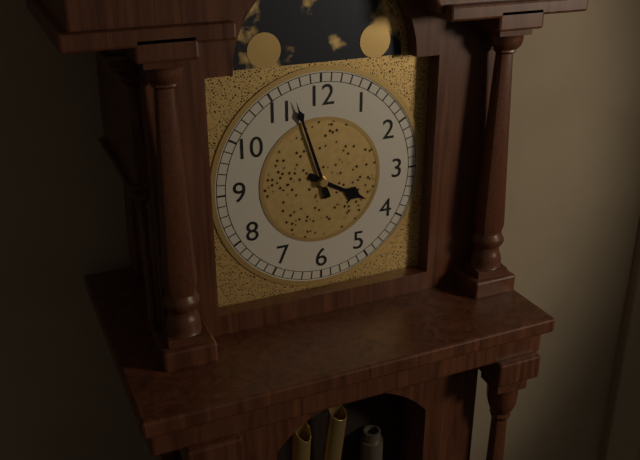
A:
3 h 57 min
